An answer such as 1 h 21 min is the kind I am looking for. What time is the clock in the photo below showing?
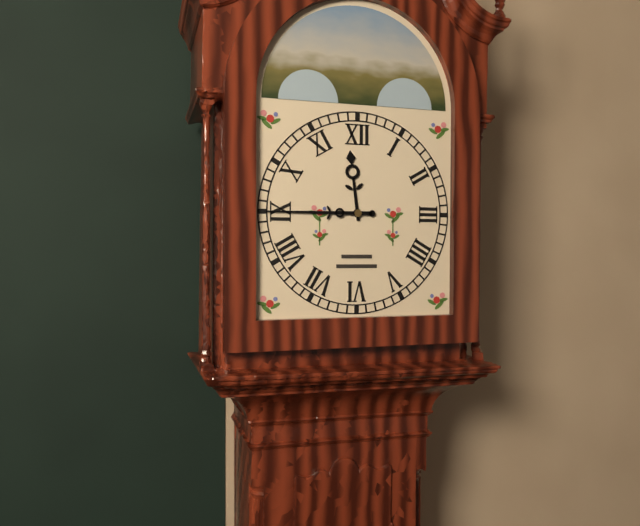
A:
11 h 45 min
